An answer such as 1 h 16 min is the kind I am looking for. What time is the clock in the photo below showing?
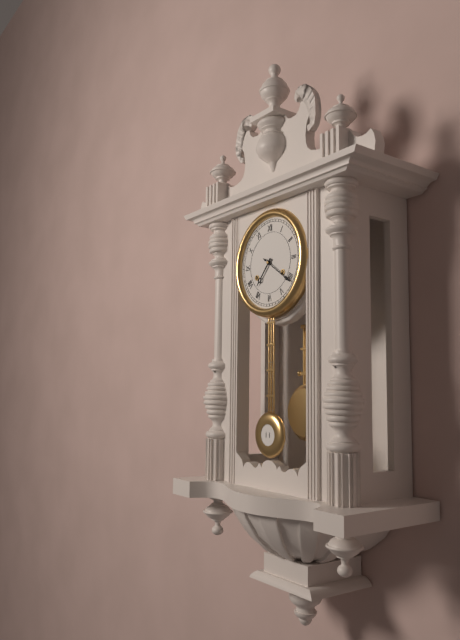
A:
7 h 21 min
